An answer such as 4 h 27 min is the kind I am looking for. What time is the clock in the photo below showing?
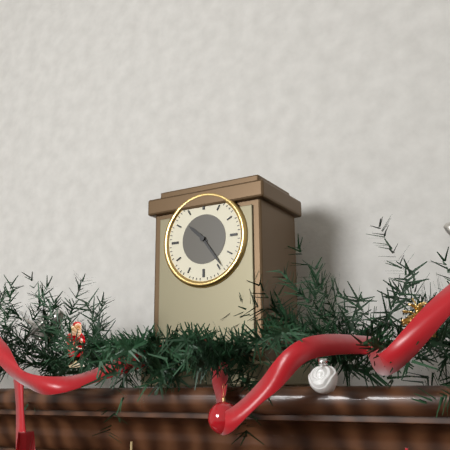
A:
10 h 24 min
